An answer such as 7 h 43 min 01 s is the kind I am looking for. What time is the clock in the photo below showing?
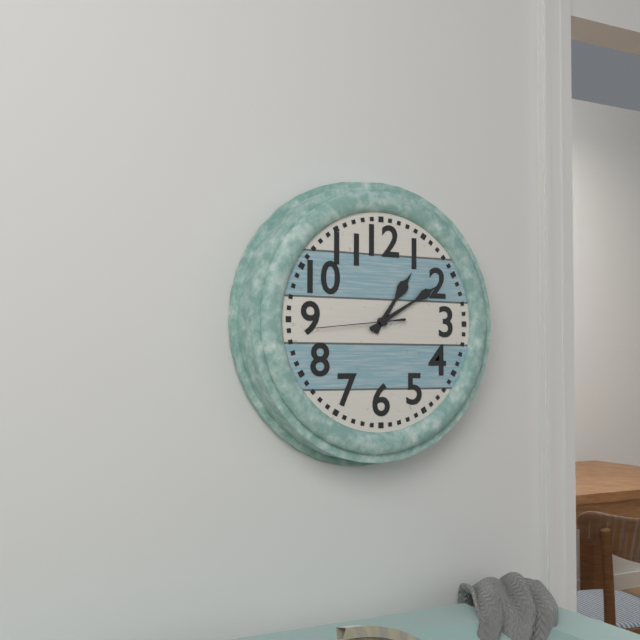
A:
1 h 10 min 44 s
